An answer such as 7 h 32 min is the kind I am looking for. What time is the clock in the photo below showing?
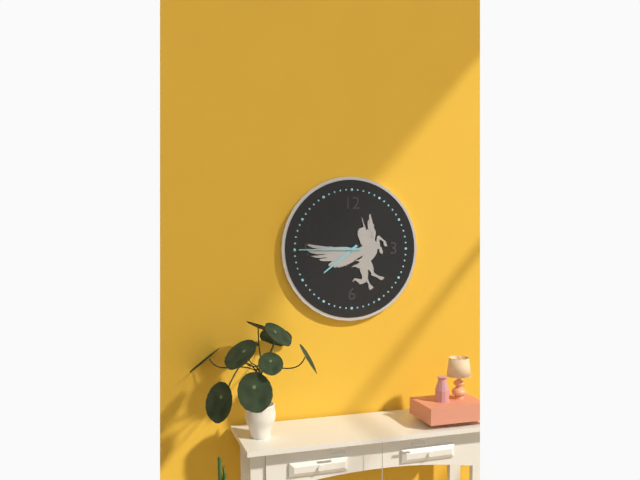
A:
7 h 45 min
